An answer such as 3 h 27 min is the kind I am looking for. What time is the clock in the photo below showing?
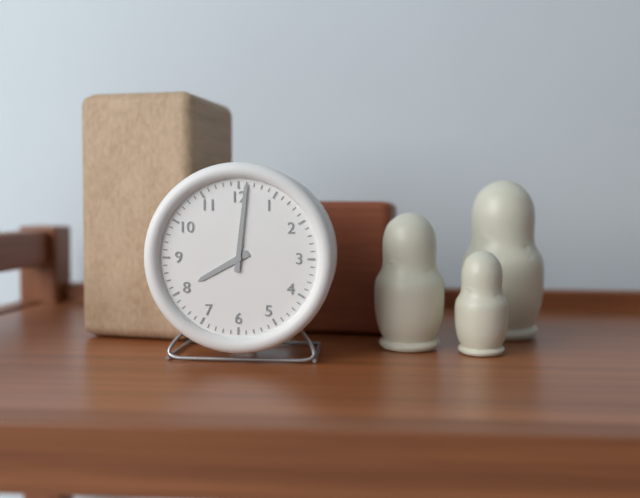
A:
8 h 01 min
